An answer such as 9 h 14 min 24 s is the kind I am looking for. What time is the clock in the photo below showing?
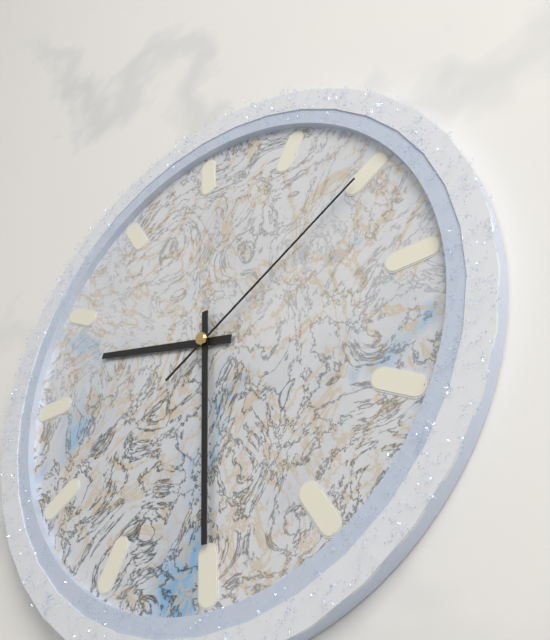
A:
9 h 30 min 10 s
